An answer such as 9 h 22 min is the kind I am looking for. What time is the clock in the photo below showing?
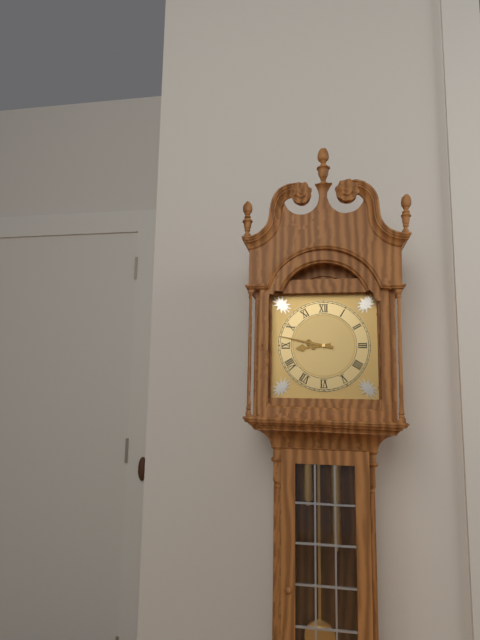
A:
8 h 47 min
